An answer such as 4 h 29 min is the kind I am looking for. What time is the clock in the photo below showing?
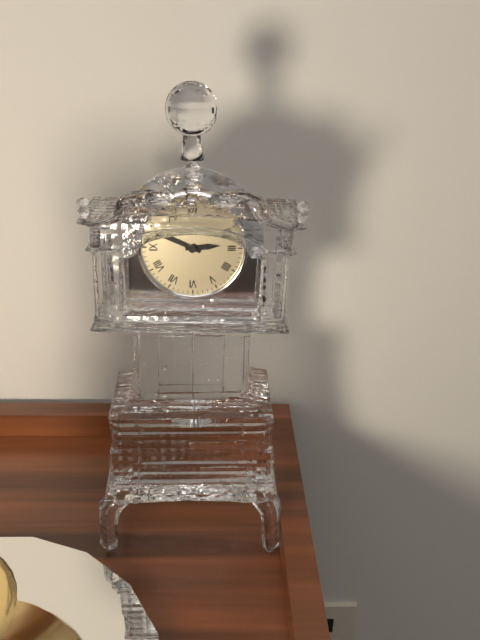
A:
2 h 49 min
